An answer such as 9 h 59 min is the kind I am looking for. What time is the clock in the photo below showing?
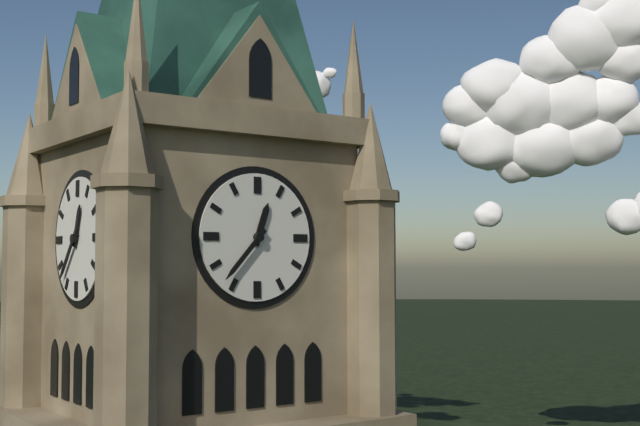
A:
12 h 37 min
